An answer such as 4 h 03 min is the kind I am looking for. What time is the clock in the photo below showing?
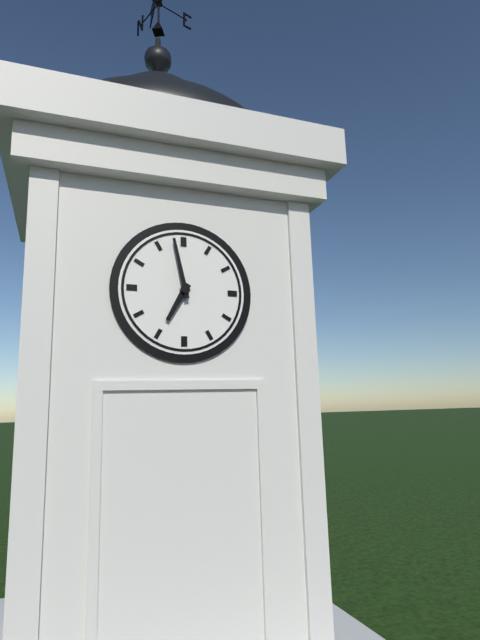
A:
6 h 58 min
